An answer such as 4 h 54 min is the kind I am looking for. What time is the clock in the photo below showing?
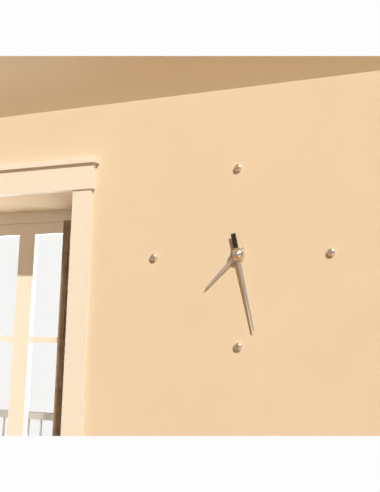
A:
7 h 28 min
